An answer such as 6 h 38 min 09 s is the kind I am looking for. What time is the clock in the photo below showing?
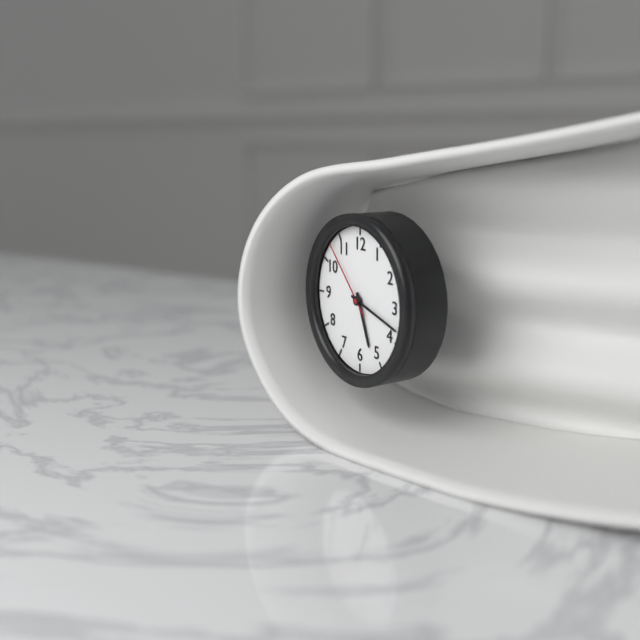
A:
5 h 18 min 53 s
